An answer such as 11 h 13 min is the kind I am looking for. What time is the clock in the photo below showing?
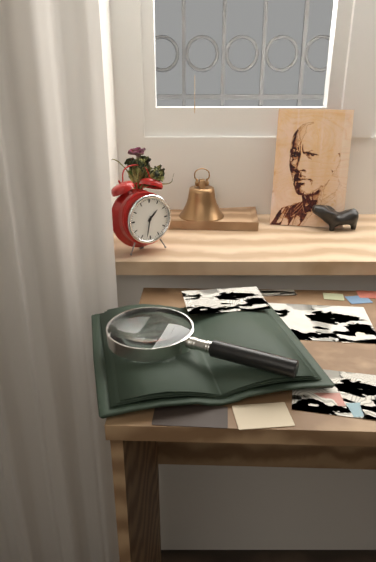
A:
1 h 32 min
